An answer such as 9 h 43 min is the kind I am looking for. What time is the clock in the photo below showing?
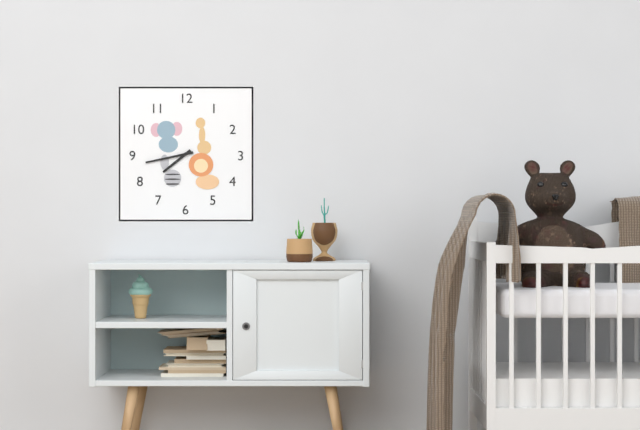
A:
7 h 43 min
